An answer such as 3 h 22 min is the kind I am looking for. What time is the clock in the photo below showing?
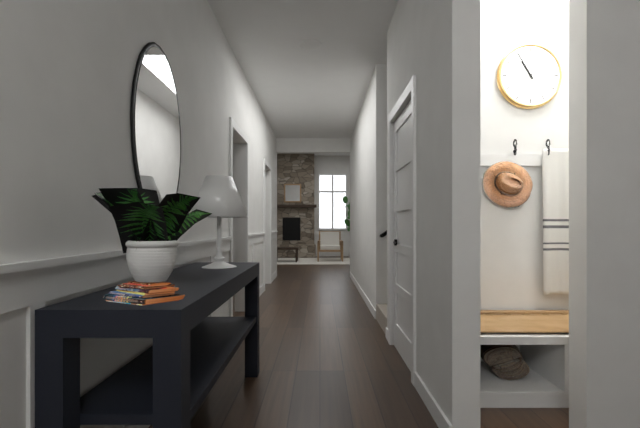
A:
10 h 55 min
